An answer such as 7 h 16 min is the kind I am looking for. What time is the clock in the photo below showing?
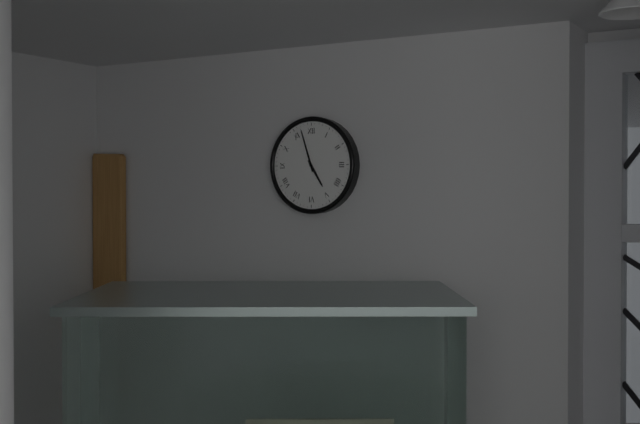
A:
4 h 57 min
